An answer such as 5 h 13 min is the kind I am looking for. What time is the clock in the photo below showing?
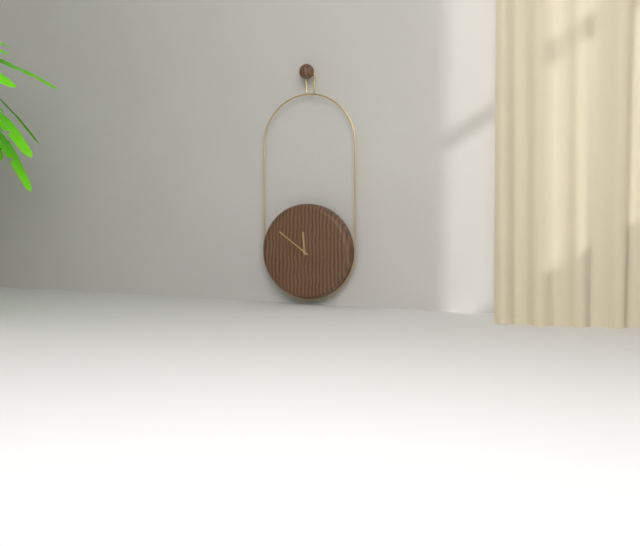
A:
11 h 51 min
